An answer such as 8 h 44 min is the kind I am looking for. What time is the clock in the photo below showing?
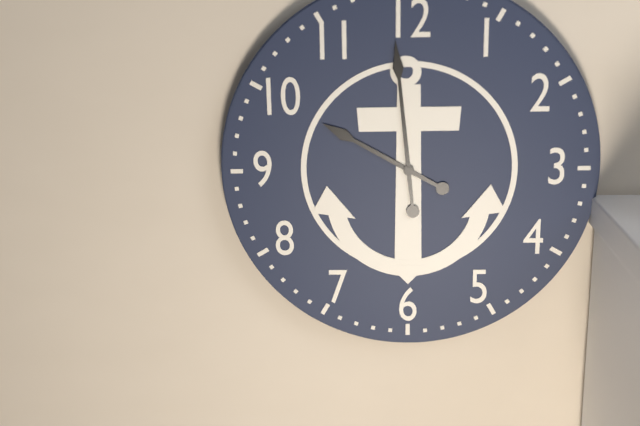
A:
9 h 59 min
